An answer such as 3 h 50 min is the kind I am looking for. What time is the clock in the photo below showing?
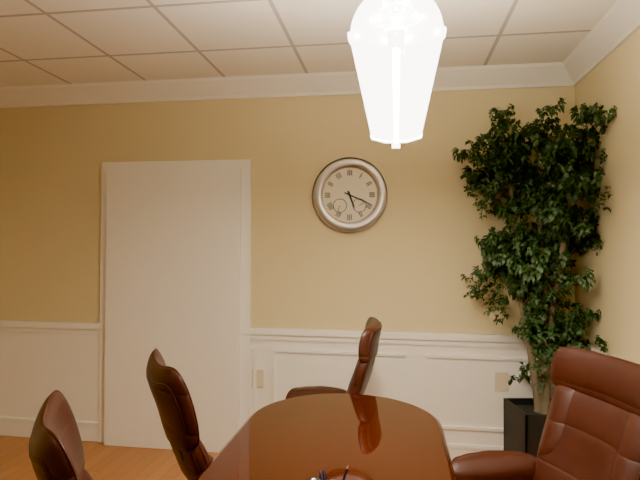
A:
5 h 19 min
